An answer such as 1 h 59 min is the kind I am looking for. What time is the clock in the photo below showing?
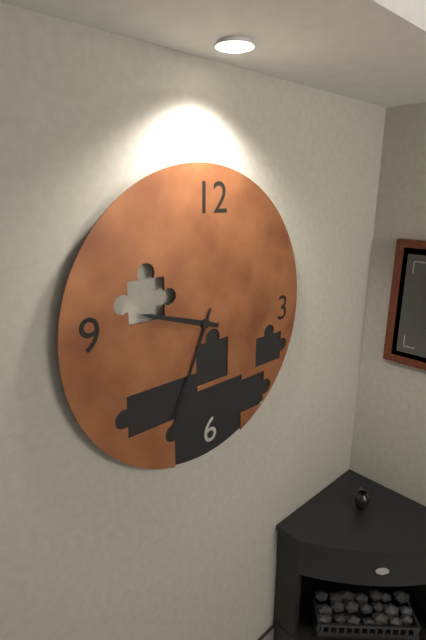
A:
9 h 34 min
